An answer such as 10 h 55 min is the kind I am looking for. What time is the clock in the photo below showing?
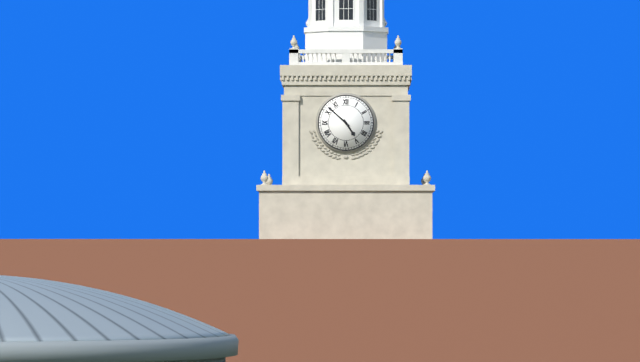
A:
4 h 52 min
